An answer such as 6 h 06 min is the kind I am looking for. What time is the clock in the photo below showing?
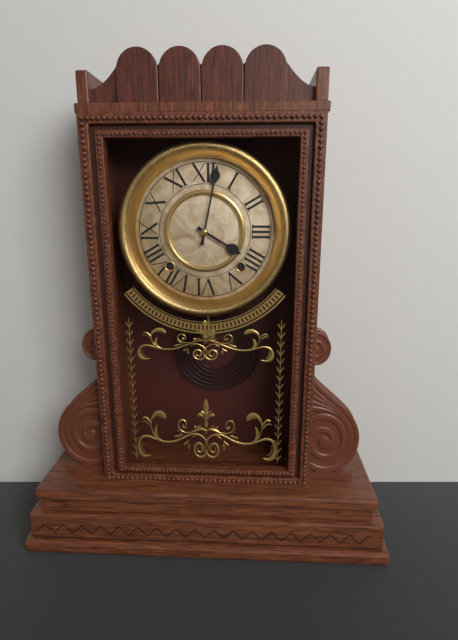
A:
4 h 02 min
